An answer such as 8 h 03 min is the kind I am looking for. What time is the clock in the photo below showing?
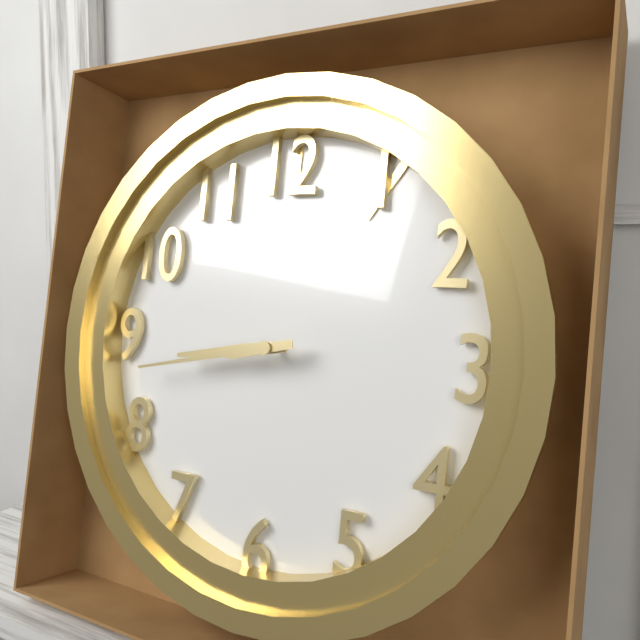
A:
8 h 43 min
